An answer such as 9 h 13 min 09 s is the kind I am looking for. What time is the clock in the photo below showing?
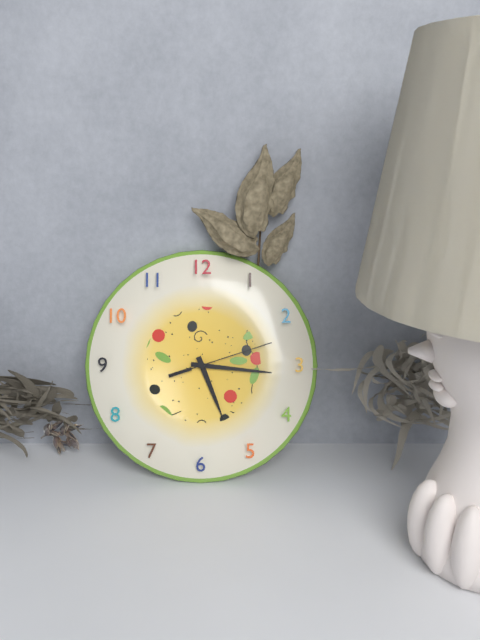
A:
5 h 16 min 12 s
